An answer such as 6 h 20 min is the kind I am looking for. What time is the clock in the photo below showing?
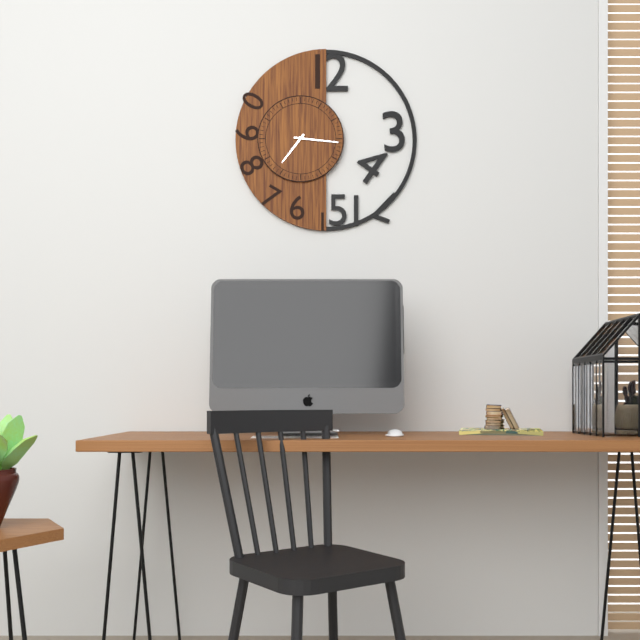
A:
7 h 16 min
